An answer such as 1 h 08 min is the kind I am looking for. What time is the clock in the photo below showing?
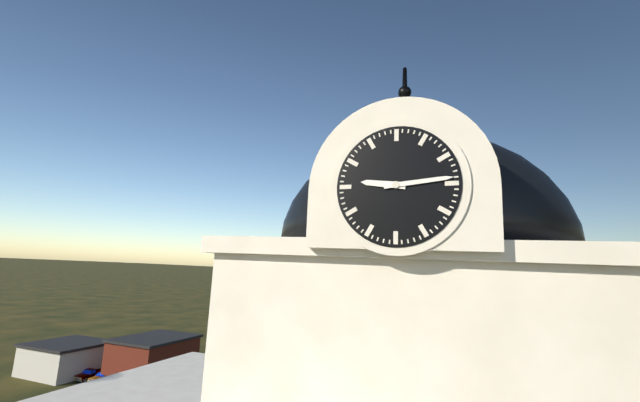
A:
9 h 14 min
